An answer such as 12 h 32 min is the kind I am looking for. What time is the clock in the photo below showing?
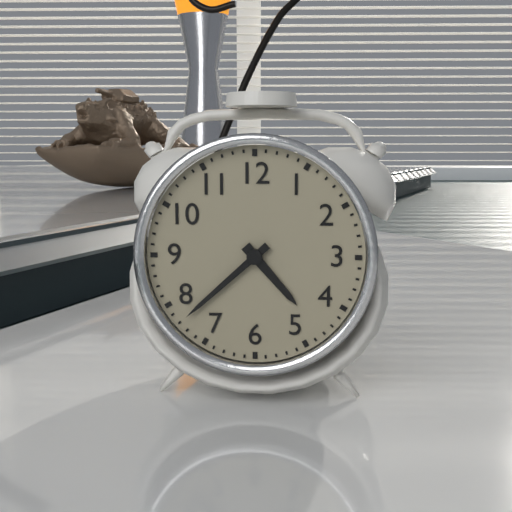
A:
4 h 38 min
